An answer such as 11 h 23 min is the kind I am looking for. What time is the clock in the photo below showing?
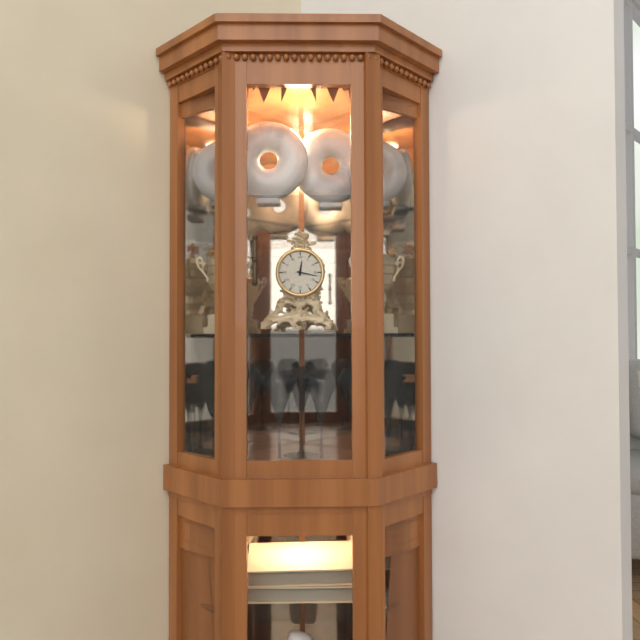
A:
12 h 17 min
